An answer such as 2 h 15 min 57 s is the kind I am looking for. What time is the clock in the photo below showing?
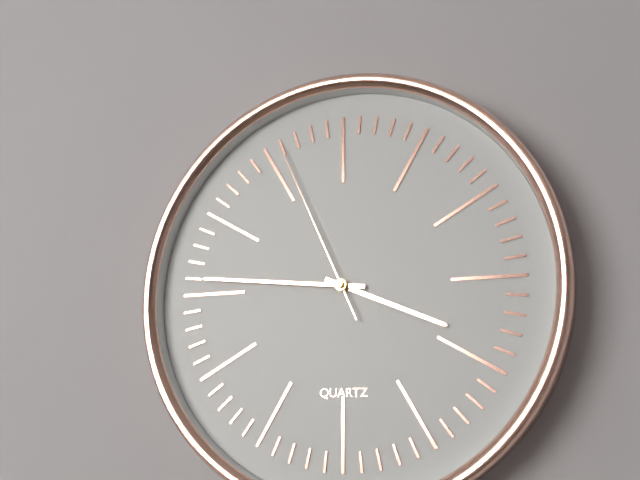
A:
3 h 46 min 56 s
